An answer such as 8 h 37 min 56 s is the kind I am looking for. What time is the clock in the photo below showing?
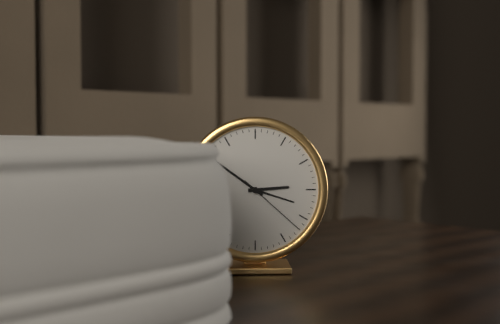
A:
2 h 51 min 22 s
